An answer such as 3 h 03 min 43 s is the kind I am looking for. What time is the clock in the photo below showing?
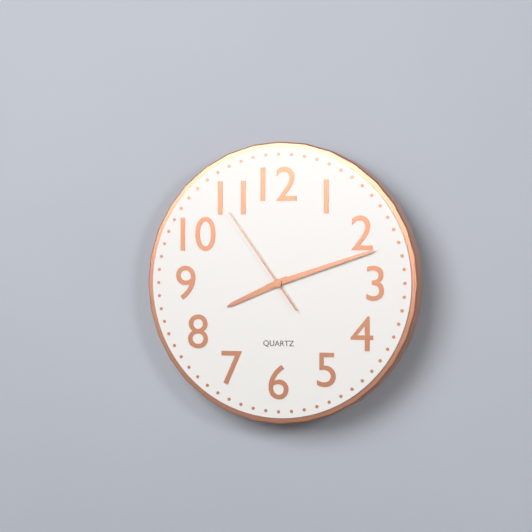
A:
8 h 12 min 54 s
